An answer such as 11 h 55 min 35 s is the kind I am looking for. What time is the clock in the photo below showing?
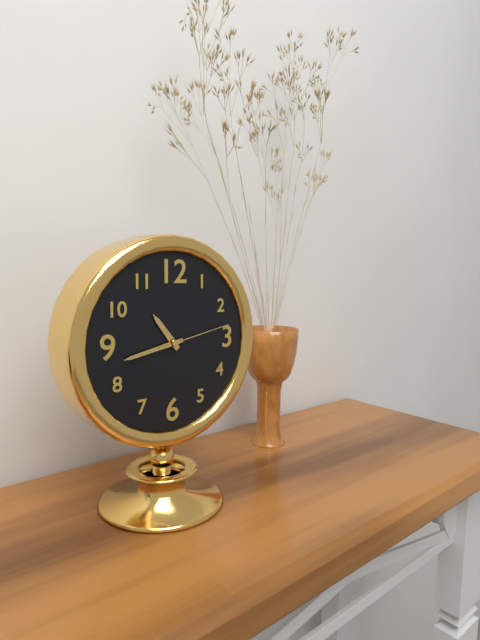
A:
10 h 43 min 13 s
